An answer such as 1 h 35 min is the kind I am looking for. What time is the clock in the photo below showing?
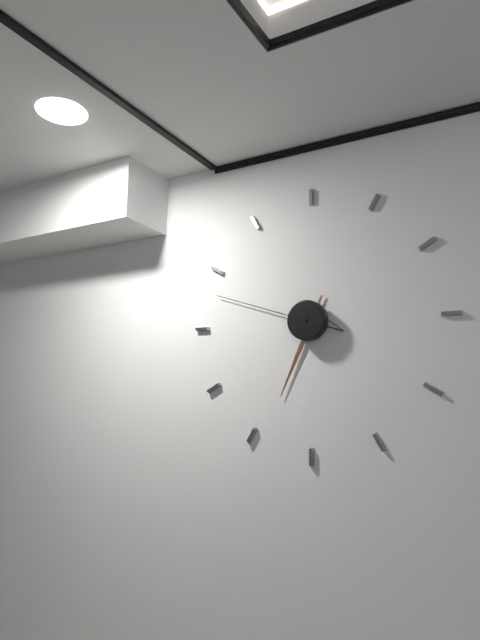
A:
6 h 48 min
